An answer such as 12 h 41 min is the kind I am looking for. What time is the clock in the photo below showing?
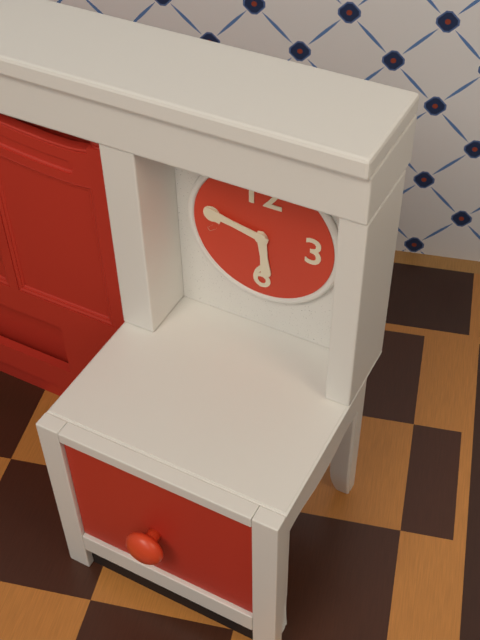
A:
5 h 47 min
